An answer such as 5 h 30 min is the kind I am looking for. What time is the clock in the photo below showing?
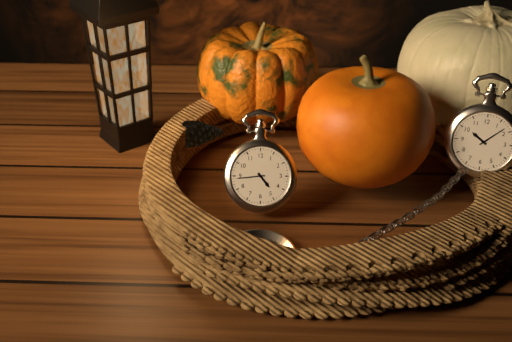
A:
4 h 44 min
